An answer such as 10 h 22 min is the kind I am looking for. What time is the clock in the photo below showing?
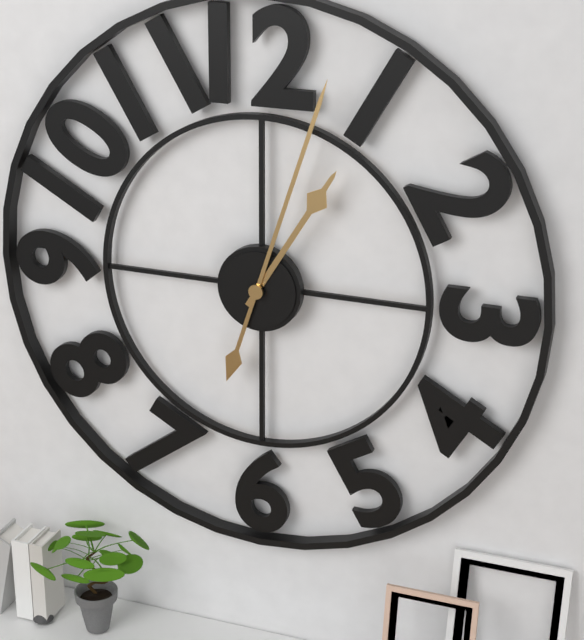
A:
1 h 03 min
